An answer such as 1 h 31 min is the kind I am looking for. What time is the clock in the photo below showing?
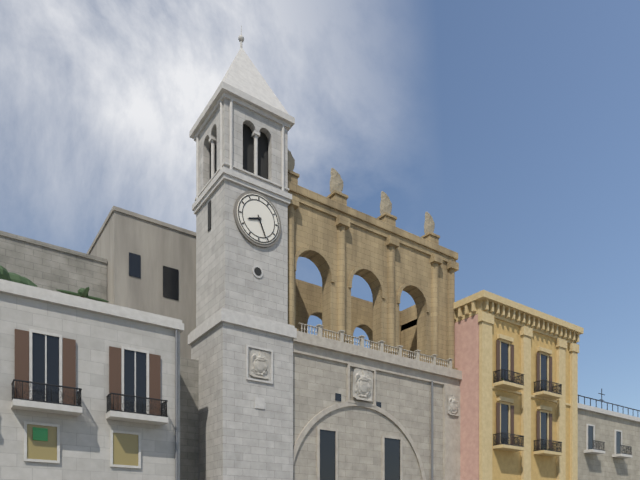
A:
8 h 26 min
